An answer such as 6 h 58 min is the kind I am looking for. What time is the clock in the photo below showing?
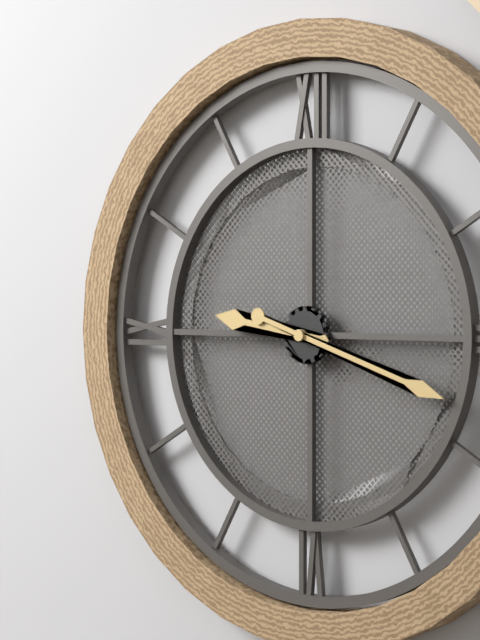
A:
9 h 18 min
